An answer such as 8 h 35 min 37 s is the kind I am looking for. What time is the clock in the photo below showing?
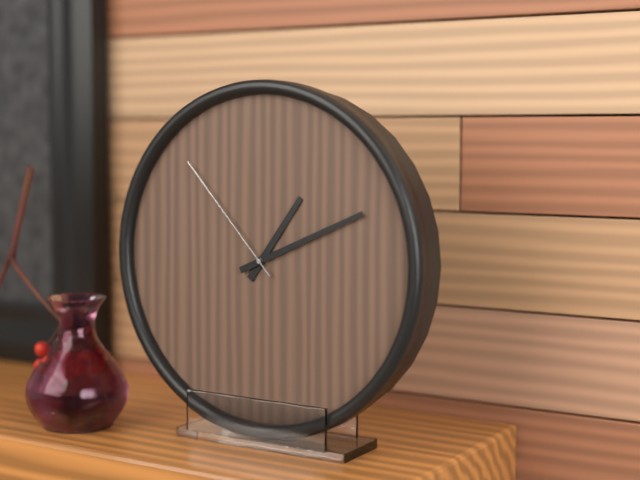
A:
1 h 11 min 53 s
